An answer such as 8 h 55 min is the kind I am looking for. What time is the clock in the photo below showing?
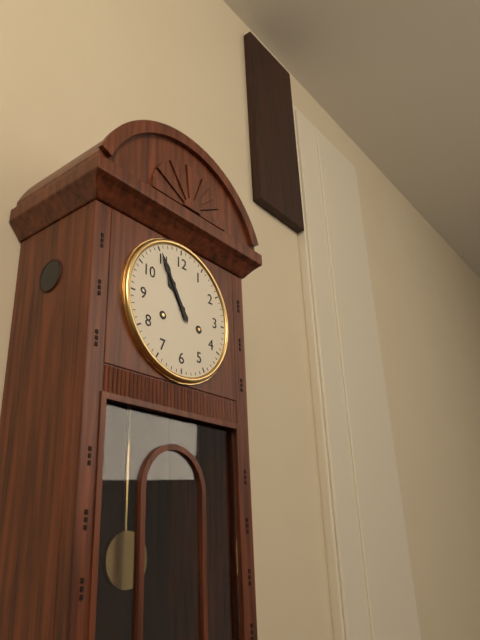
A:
10 h 55 min
